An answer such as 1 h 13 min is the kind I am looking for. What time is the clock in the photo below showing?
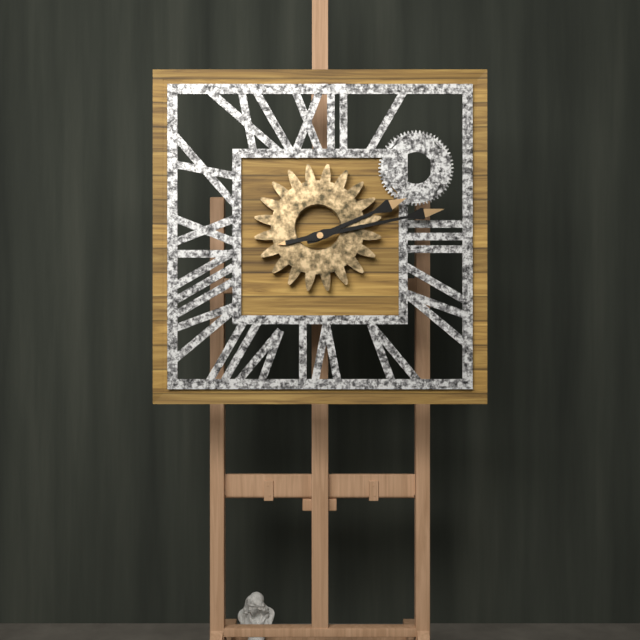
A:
2 h 13 min
